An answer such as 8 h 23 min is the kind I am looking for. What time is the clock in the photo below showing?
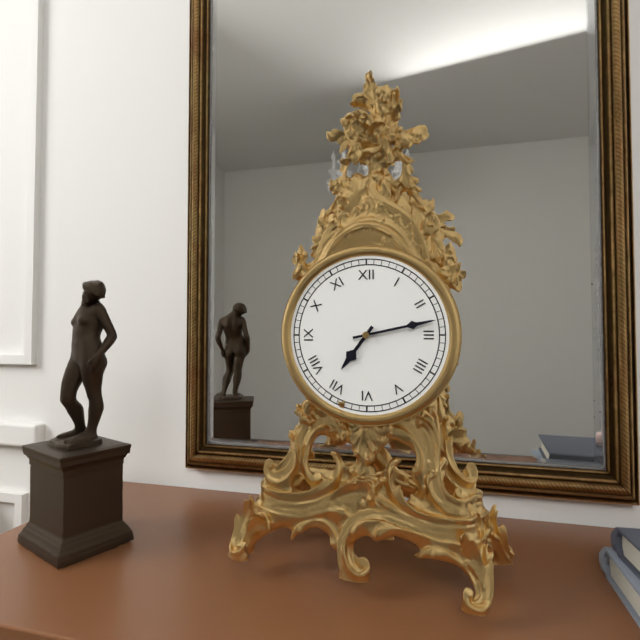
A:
7 h 13 min
